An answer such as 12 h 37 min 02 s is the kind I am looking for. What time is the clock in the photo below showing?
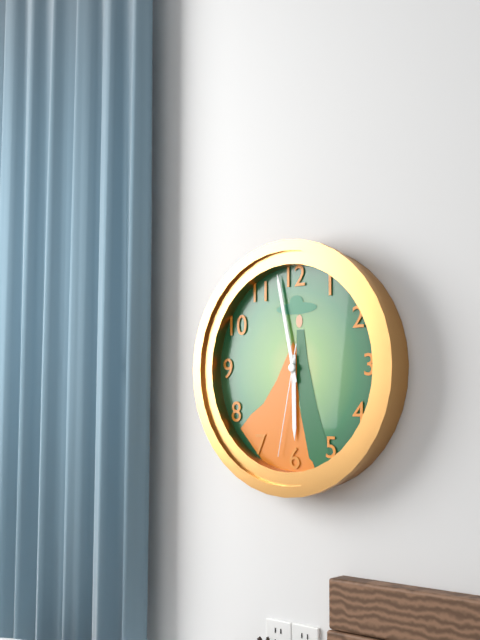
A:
5 h 58 min 32 s
